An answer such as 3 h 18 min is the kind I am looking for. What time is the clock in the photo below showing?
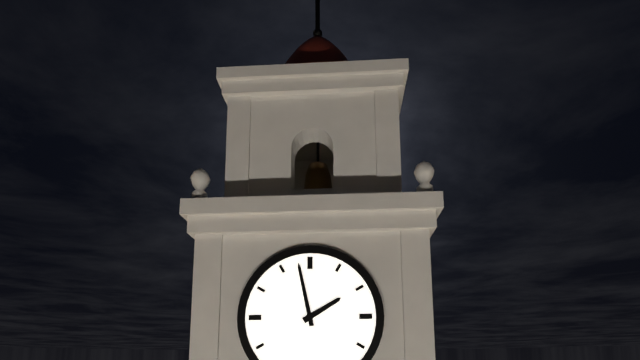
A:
1 h 58 min
